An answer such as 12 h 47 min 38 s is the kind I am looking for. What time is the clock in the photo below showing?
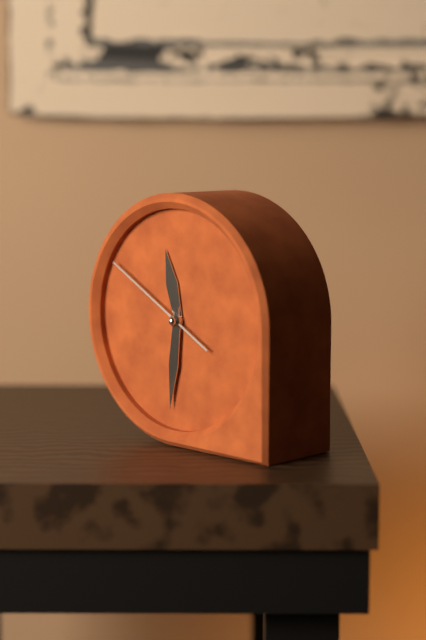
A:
11 h 31 min 50 s
